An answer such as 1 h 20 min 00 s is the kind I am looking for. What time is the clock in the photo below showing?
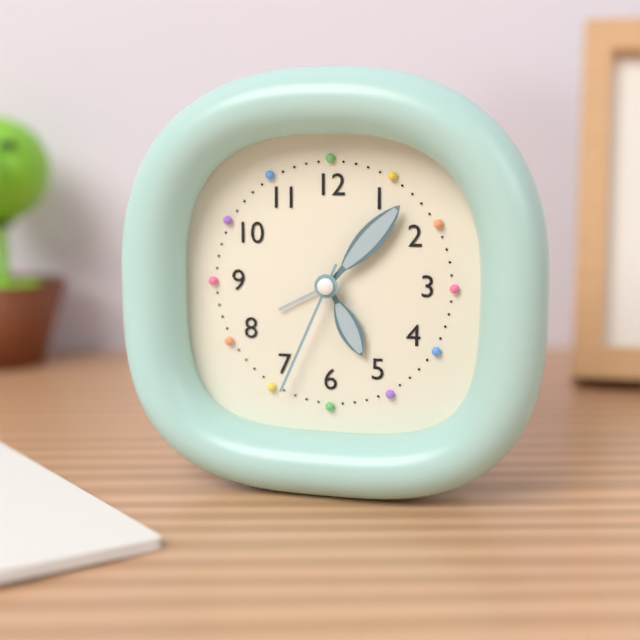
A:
5 h 07 min 34 s
